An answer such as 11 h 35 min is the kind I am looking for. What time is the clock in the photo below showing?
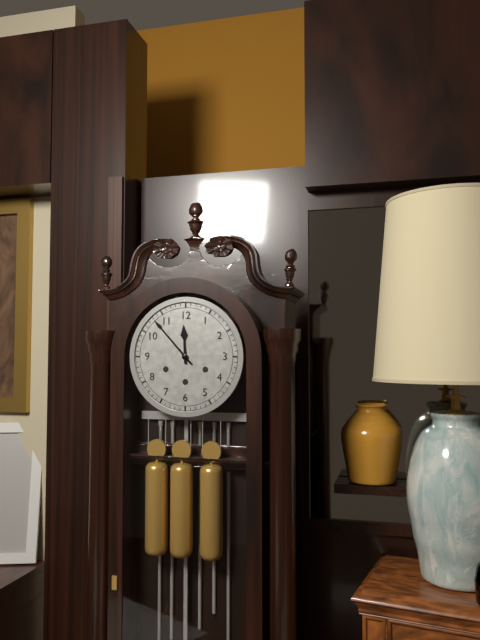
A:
11 h 53 min
